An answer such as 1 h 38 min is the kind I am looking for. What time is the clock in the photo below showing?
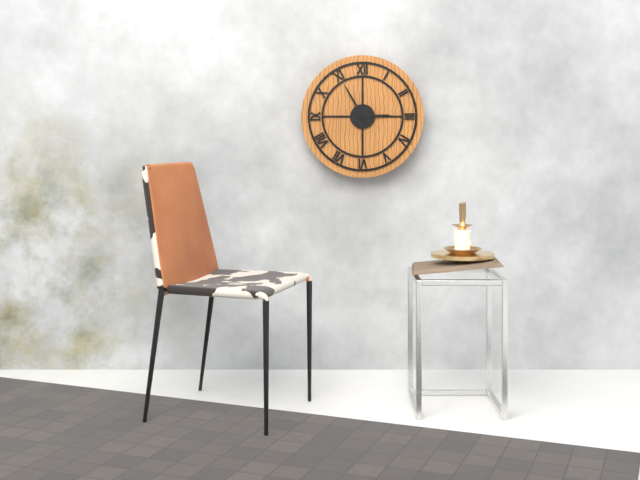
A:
2 h 55 min
